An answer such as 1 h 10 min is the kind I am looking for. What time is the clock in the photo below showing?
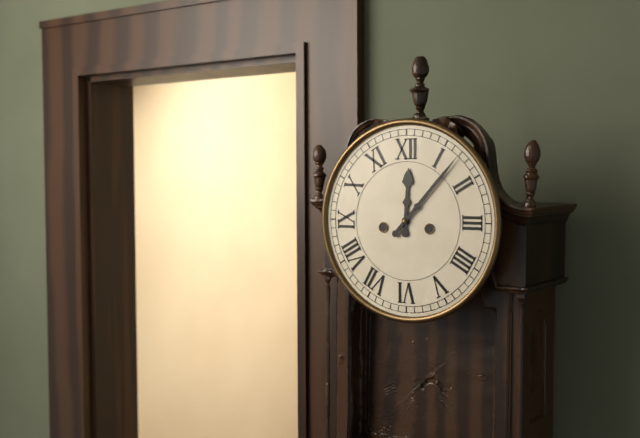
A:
12 h 07 min
